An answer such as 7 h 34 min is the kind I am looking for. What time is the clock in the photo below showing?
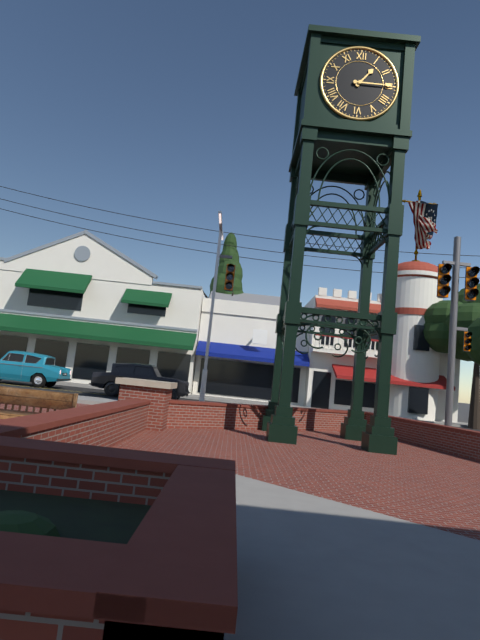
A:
1 h 15 min
